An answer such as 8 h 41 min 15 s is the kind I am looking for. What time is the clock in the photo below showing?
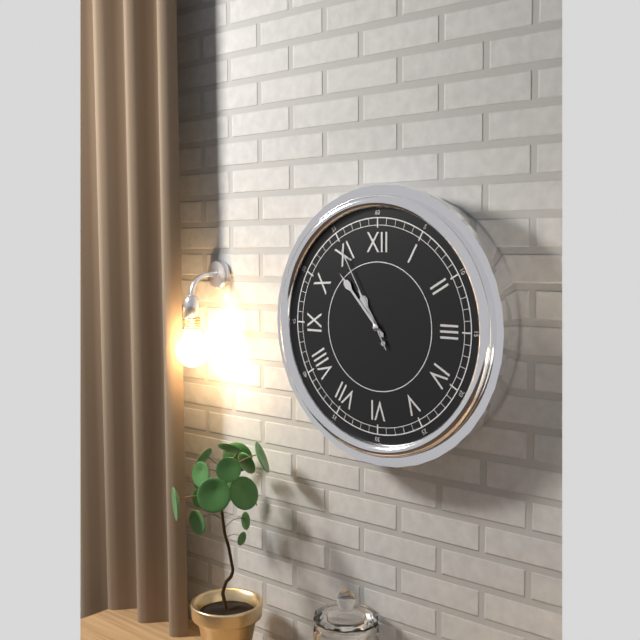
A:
10 h 53 min 55 s
